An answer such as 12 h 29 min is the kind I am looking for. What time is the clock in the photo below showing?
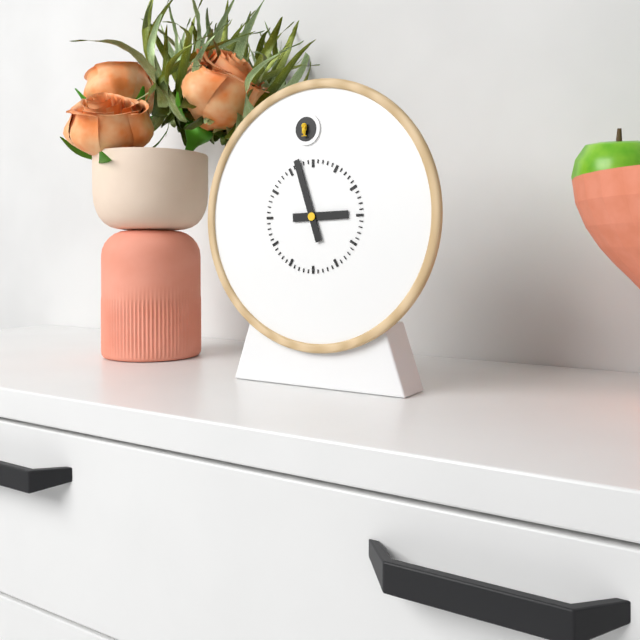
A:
2 h 57 min
